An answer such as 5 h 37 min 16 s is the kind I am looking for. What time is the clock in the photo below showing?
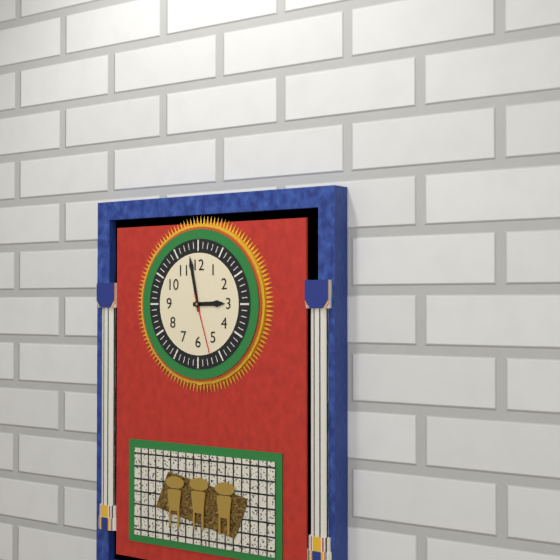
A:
2 h 58 min 27 s
